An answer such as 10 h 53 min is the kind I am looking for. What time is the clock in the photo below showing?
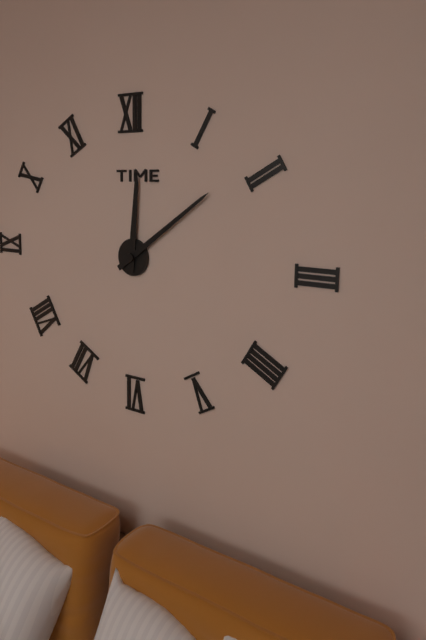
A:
12 h 09 min
